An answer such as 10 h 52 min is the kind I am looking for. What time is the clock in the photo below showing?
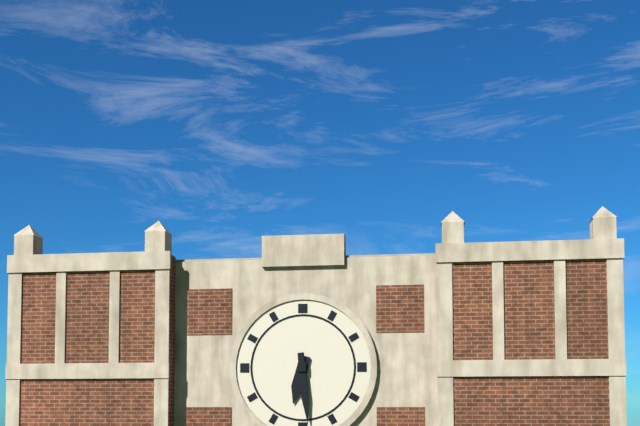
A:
6 h 29 min
